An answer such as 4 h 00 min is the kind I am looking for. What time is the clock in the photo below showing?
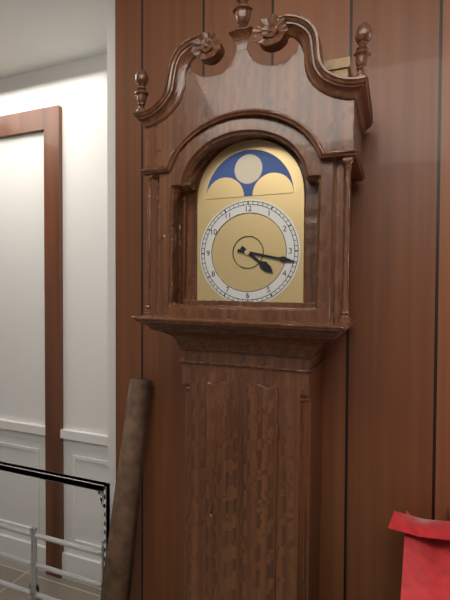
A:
4 h 17 min
